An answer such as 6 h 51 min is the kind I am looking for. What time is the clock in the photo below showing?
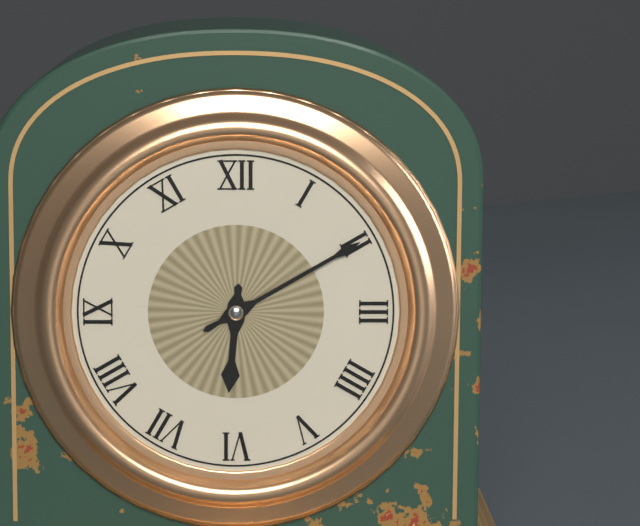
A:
6 h 10 min
